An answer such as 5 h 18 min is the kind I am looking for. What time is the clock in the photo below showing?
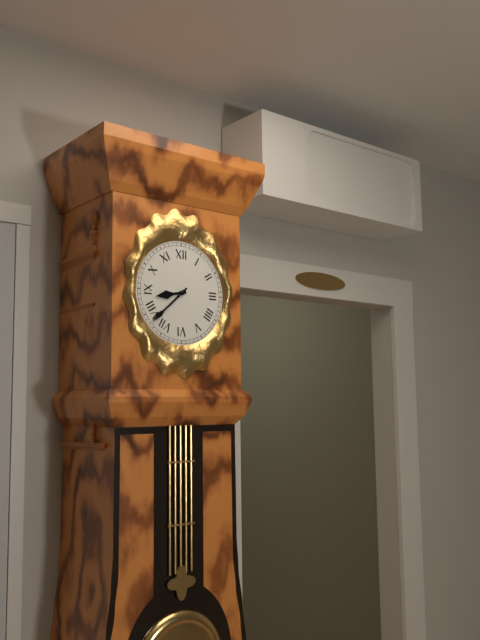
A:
8 h 38 min
